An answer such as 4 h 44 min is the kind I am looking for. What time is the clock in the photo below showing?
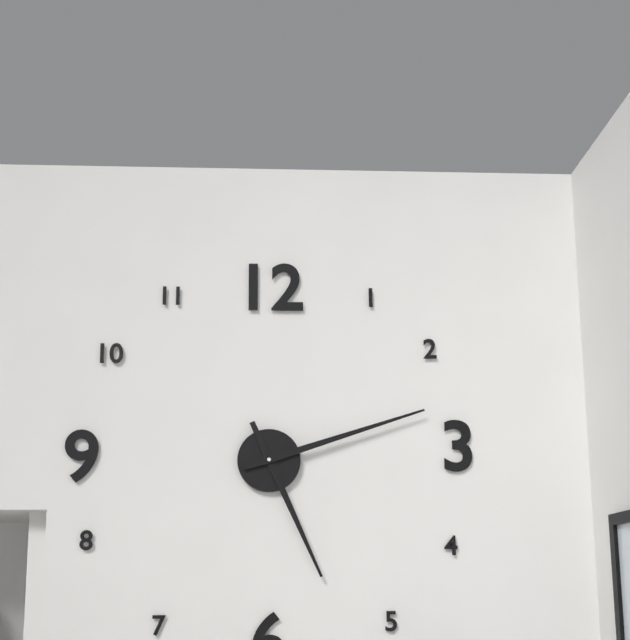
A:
5 h 12 min
